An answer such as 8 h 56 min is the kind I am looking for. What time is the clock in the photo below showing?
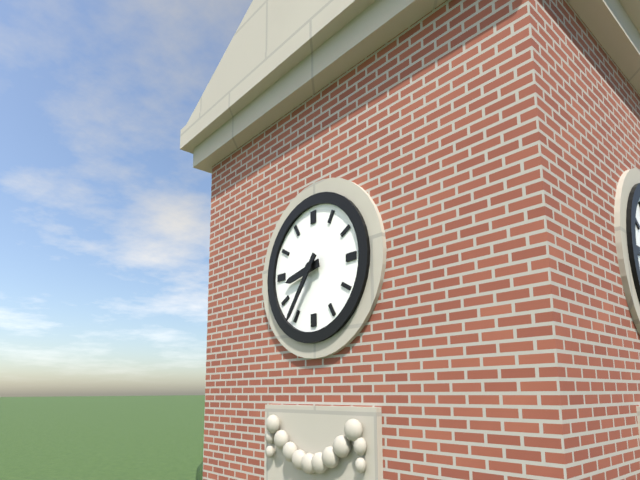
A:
8 h 36 min
